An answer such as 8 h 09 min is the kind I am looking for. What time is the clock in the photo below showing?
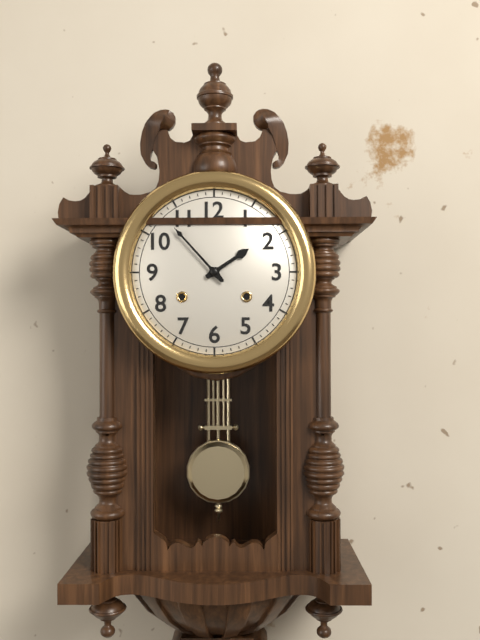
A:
1 h 53 min
